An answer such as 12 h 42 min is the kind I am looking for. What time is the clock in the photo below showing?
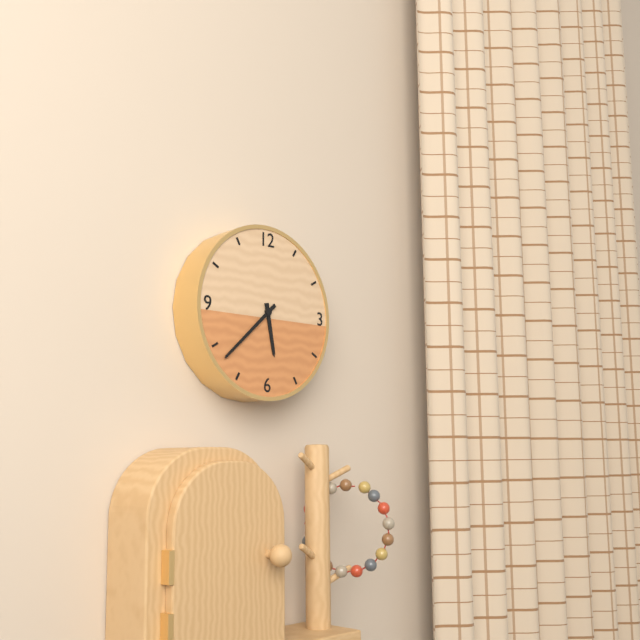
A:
5 h 38 min
